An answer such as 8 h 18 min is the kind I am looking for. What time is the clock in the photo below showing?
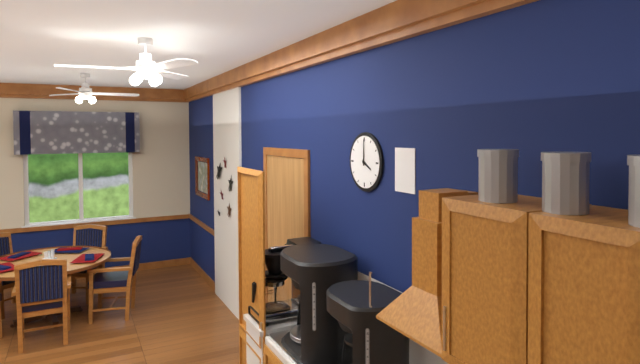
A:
4 h 00 min
